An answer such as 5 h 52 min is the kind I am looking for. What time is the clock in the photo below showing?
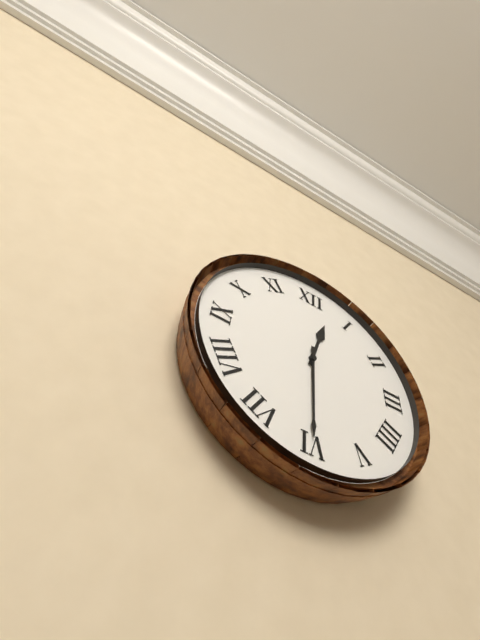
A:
12 h 30 min
